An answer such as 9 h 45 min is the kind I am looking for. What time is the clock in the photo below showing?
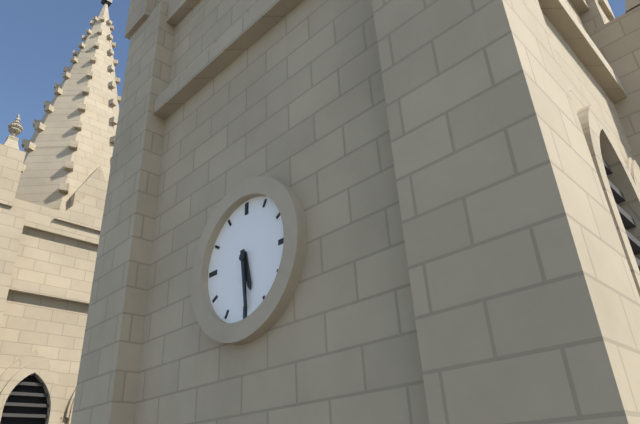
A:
5 h 29 min
